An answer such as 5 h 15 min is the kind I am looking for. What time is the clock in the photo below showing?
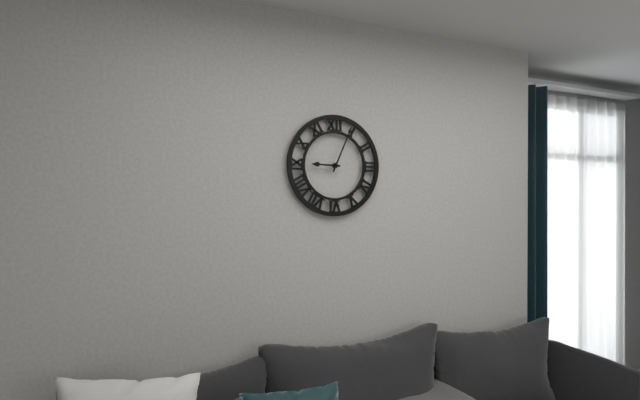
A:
9 h 04 min
